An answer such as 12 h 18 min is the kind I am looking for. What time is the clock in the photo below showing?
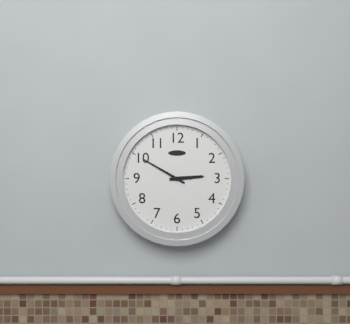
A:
2 h 50 min
